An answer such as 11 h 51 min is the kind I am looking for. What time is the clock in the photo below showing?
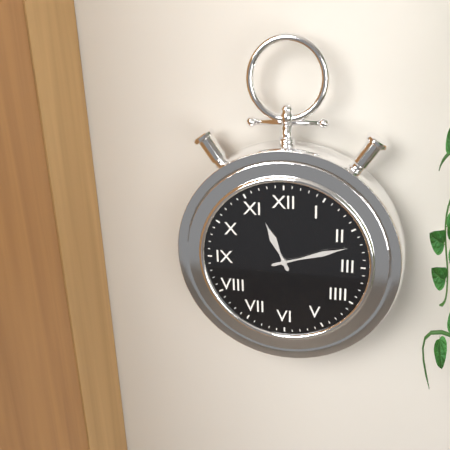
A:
11 h 12 min
